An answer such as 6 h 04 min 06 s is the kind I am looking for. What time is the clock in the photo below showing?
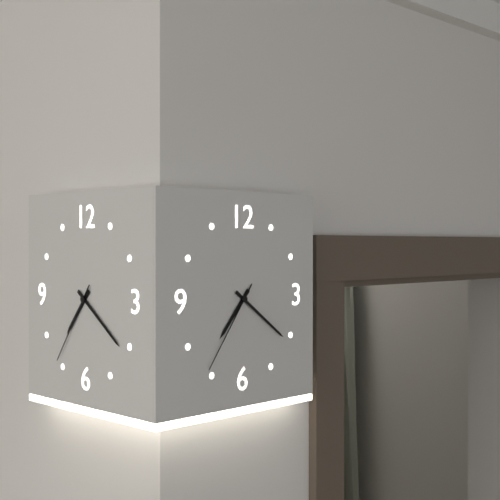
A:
7 h 21 min 36 s
